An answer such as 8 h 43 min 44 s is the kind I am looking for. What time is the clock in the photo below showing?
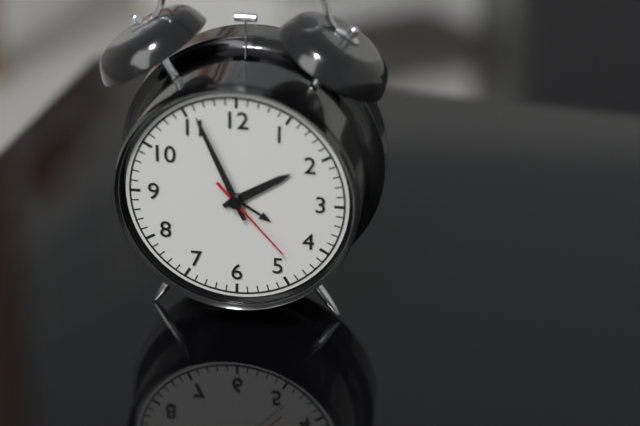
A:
1 h 56 min 23 s
